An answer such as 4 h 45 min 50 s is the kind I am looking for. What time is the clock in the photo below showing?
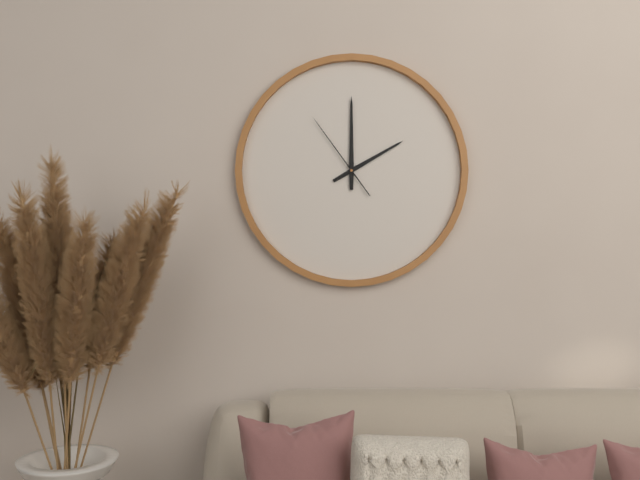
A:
2 h 00 min 54 s
